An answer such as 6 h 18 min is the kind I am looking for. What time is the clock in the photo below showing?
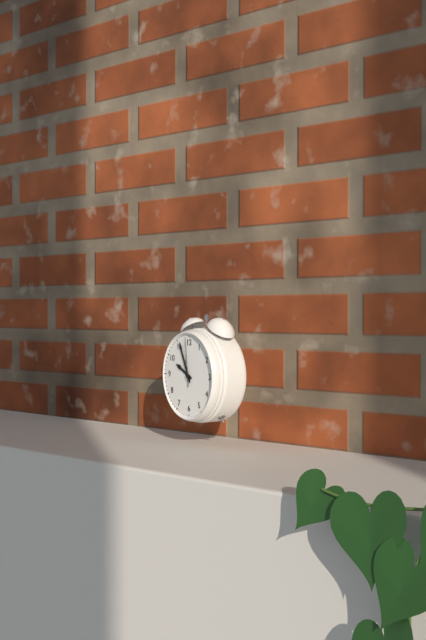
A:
9 h 56 min
